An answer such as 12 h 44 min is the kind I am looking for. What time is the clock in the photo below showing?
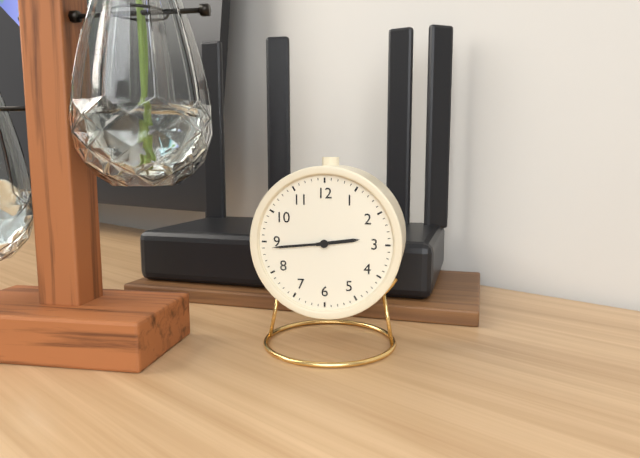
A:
2 h 44 min
